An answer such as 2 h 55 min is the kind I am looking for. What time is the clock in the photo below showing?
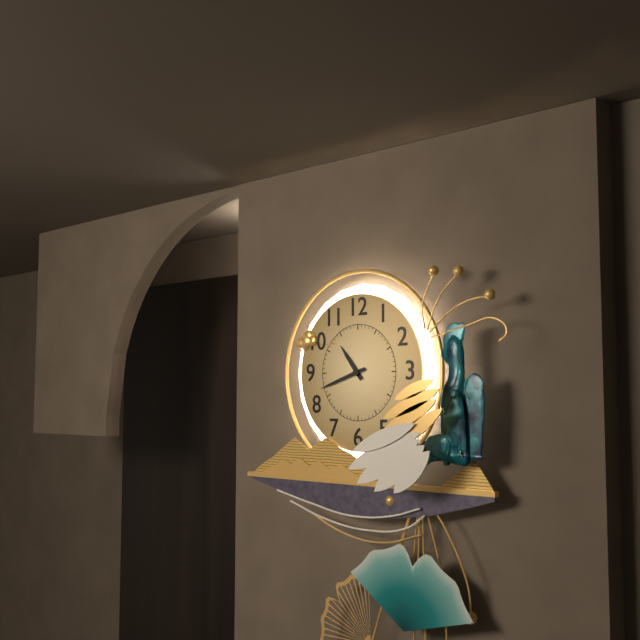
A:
10 h 42 min
